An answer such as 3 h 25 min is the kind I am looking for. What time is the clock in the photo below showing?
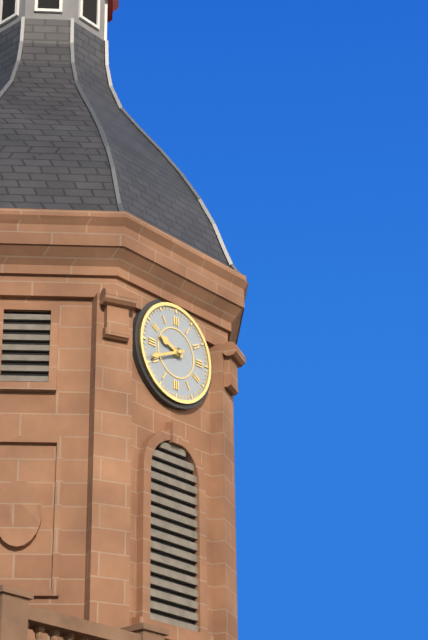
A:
9 h 41 min
